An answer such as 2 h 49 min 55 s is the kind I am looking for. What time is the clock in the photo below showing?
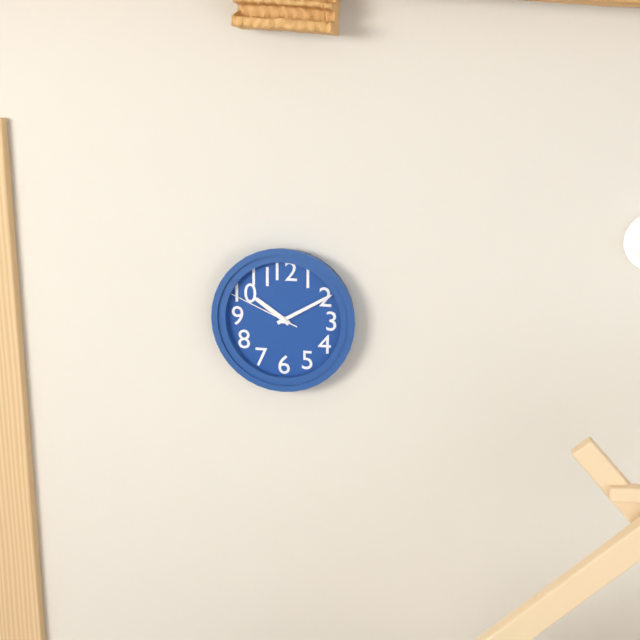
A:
10 h 10 min 49 s
